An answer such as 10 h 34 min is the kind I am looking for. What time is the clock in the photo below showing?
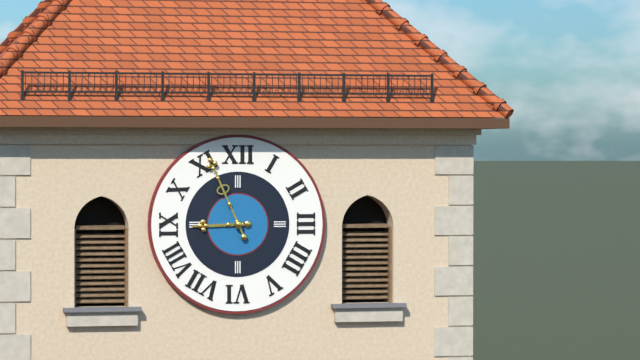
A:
8 h 56 min
